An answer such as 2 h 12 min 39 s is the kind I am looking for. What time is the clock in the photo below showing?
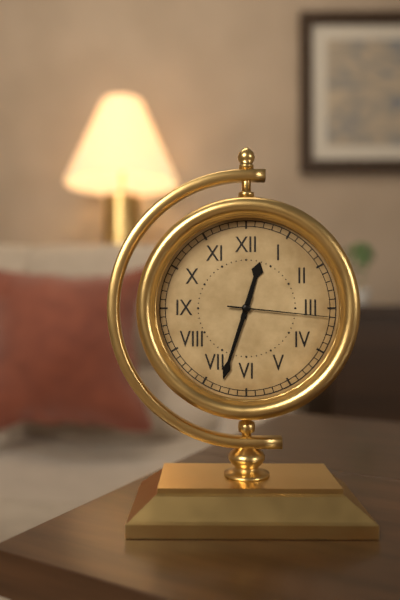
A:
12 h 33 min 16 s
